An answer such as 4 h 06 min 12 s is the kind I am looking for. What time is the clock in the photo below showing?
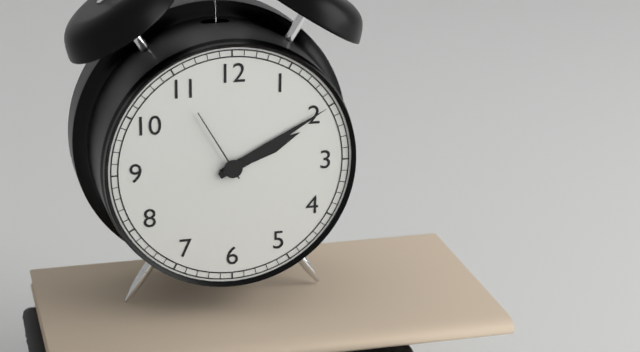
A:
2 h 10 min 55 s
